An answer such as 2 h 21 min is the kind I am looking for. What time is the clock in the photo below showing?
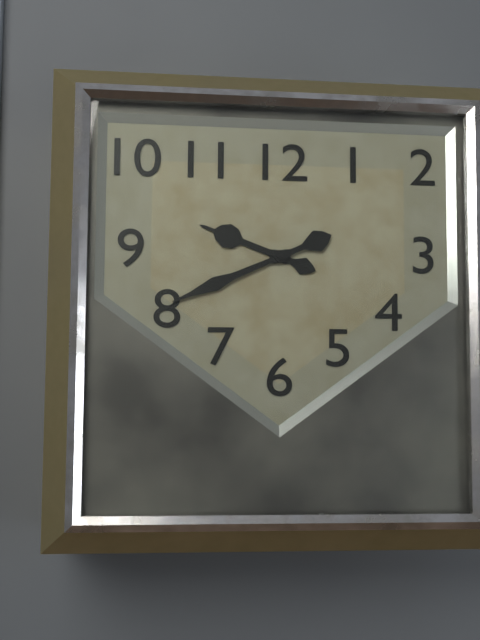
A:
9 h 41 min
